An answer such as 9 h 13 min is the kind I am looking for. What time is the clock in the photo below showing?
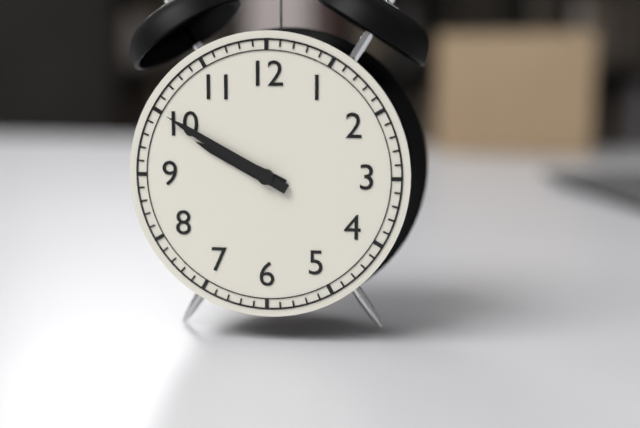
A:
9 h 50 min
